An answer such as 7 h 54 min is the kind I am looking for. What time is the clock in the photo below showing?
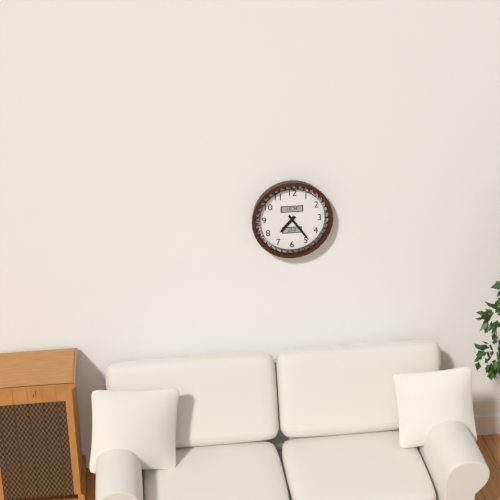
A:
7 h 24 min
